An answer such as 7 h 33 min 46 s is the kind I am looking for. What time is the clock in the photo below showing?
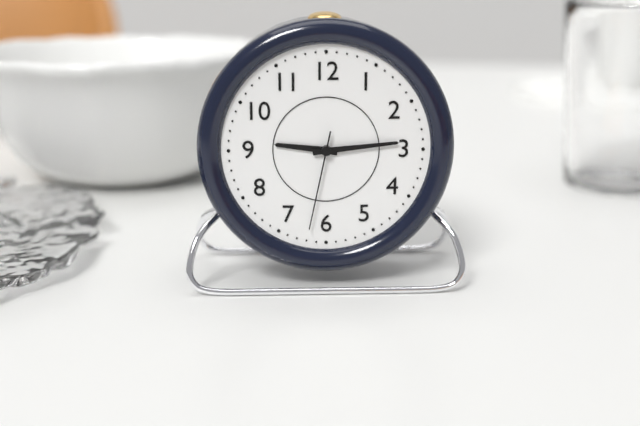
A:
9 h 14 min 32 s
